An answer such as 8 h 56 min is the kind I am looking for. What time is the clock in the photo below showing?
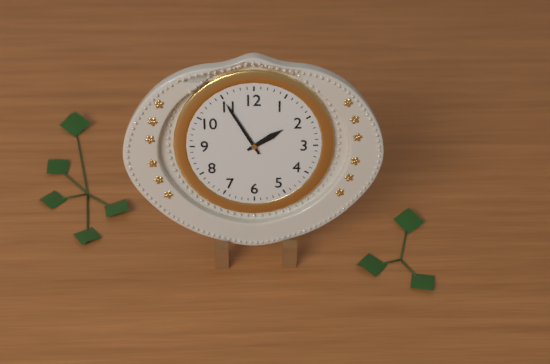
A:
1 h 55 min
